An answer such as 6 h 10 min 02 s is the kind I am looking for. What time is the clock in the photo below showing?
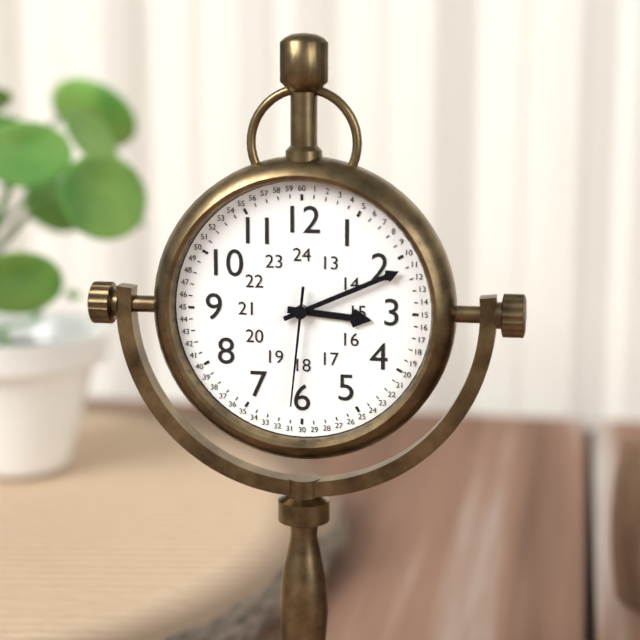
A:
3 h 11 min 31 s
